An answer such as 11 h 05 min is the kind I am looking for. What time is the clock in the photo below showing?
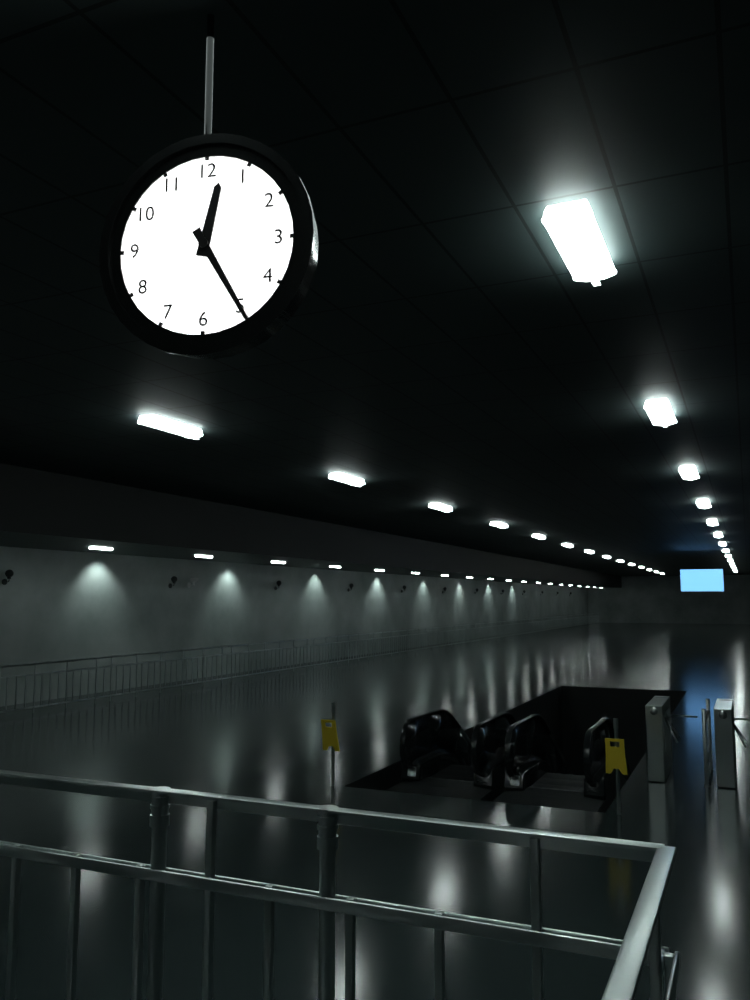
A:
12 h 25 min
